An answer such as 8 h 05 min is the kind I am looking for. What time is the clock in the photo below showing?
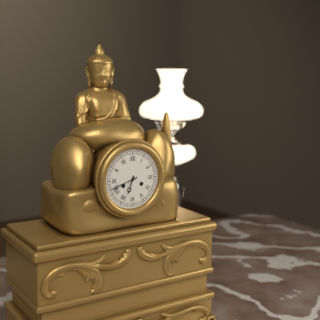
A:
6 h 42 min
